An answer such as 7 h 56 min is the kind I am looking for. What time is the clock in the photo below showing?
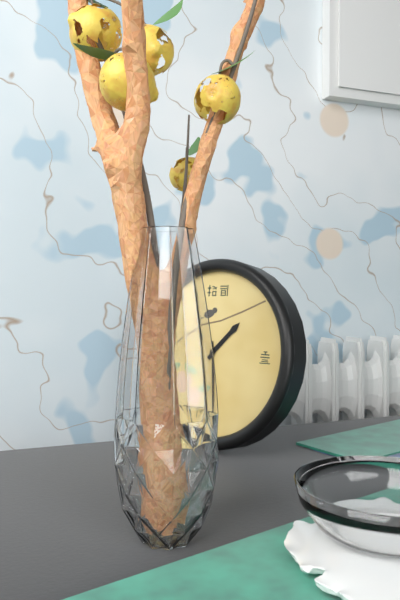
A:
1 h 29 min
